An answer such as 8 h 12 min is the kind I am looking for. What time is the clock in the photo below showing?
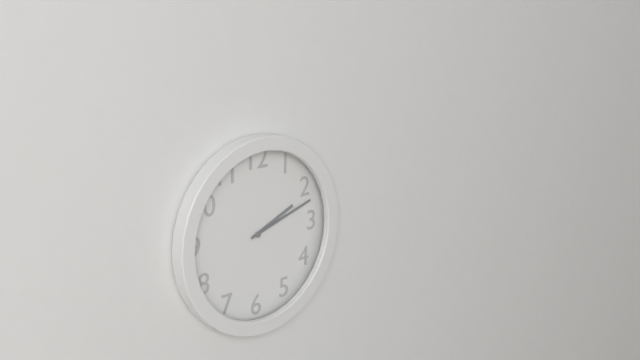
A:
2 h 12 min
